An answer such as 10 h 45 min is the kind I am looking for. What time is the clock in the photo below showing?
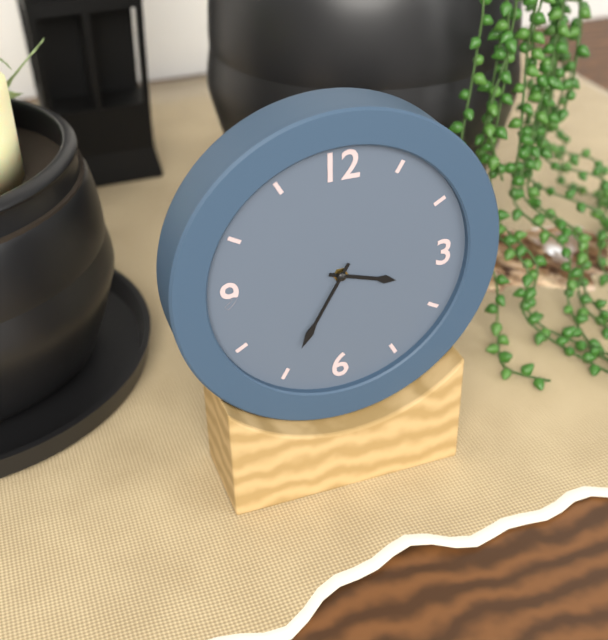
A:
3 h 35 min
